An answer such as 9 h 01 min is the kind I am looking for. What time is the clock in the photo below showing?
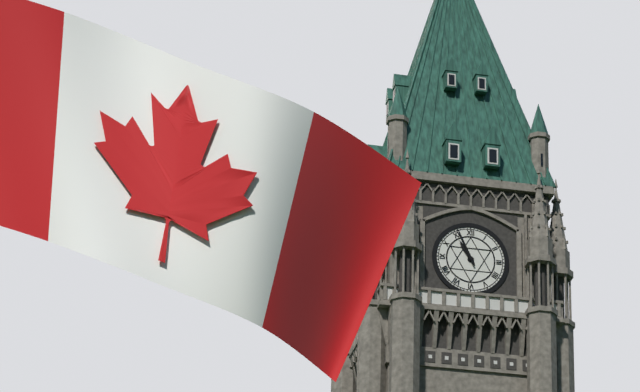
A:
10 h 56 min
